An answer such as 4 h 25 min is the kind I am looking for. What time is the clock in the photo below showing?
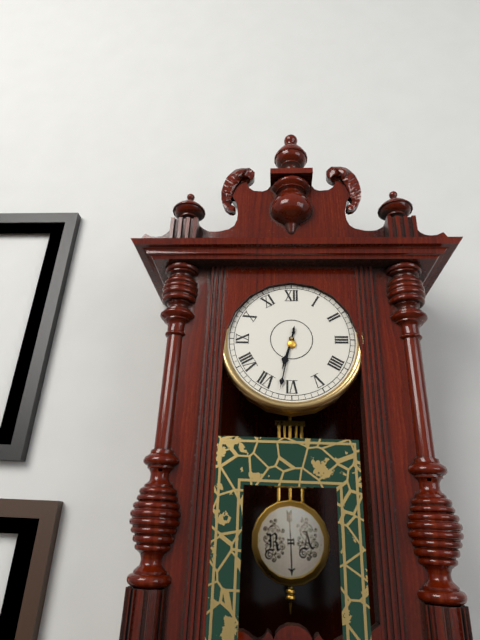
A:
6 h 32 min
